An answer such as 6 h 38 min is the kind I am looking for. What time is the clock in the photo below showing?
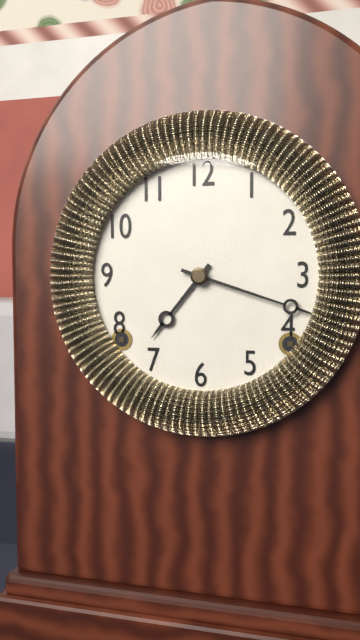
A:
7 h 18 min
